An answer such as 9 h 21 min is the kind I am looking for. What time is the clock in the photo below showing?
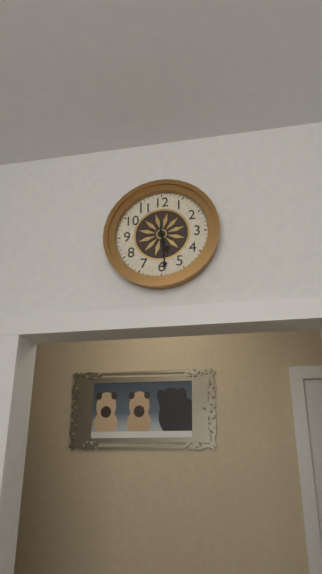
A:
5 h 29 min
